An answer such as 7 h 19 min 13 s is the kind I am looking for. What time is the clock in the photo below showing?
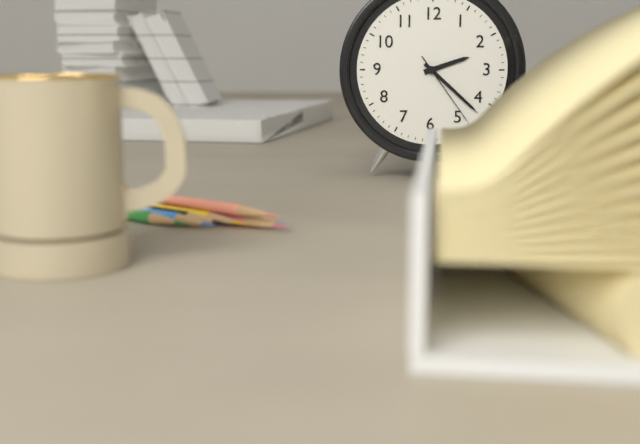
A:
2 h 22 min 24 s
